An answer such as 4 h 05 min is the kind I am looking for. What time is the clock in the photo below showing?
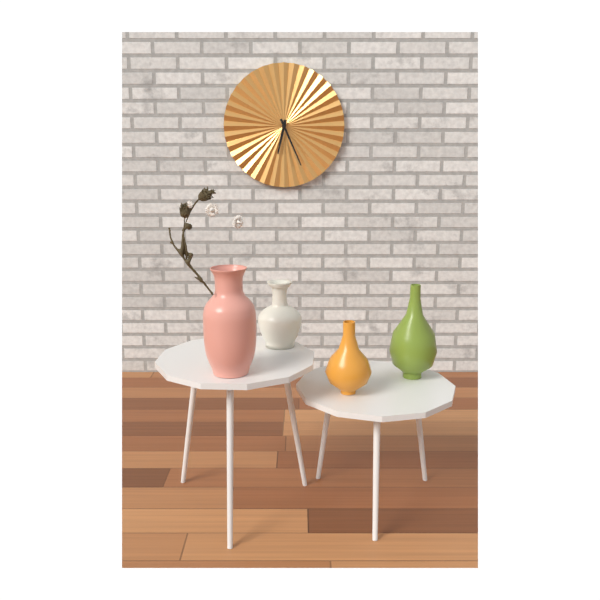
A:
6 h 26 min
